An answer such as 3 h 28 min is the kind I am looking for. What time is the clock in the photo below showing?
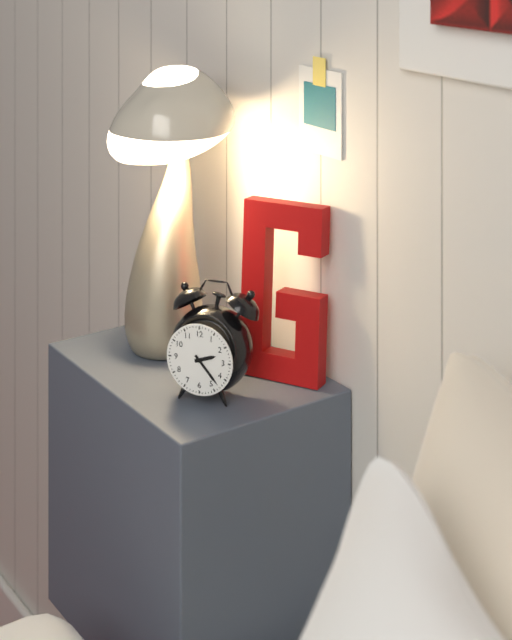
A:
2 h 23 min
